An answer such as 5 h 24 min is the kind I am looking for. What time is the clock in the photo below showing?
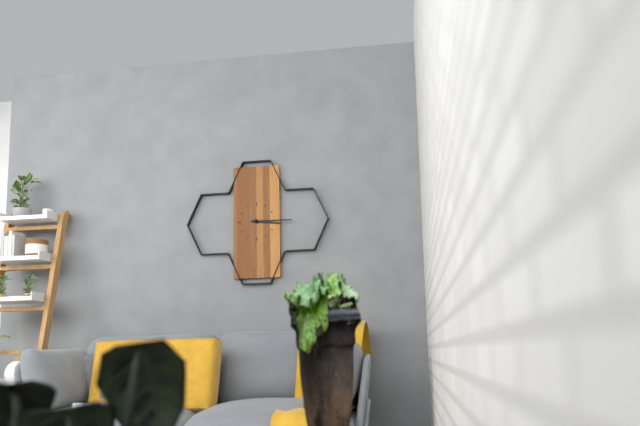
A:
3 h 15 min
